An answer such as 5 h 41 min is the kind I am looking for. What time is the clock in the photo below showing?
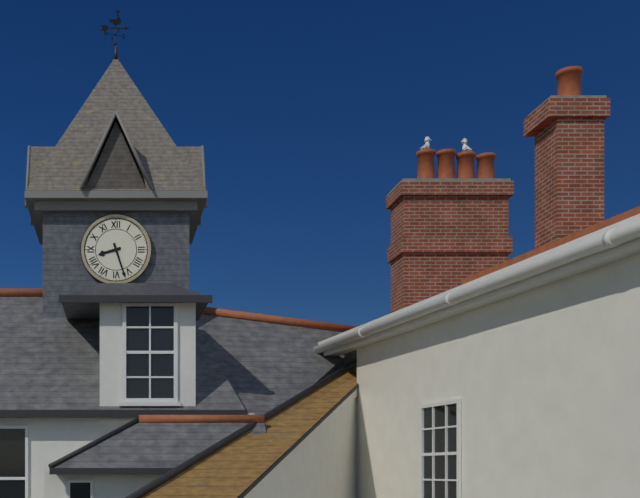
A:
8 h 27 min
